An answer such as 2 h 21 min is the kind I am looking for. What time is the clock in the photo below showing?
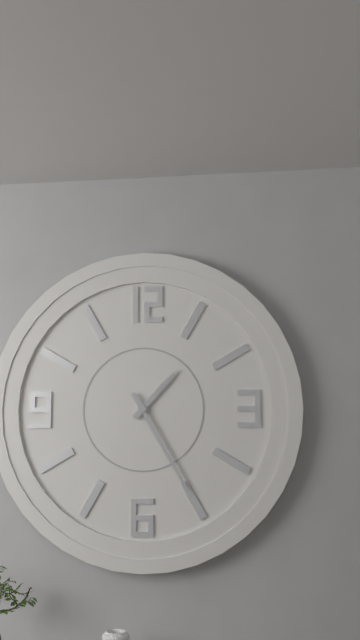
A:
1 h 25 min
